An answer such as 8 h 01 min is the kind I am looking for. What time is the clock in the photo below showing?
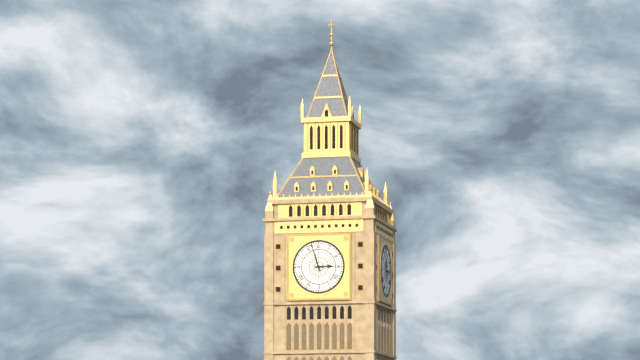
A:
2 h 57 min
